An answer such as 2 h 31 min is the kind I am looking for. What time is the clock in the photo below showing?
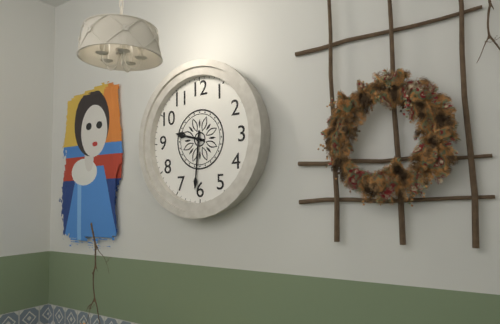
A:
9 h 31 min
